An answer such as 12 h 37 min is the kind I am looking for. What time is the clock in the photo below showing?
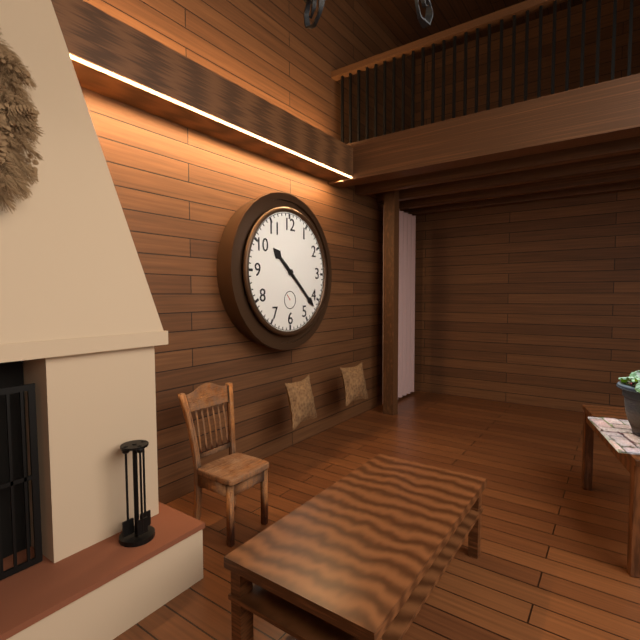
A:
10 h 22 min
